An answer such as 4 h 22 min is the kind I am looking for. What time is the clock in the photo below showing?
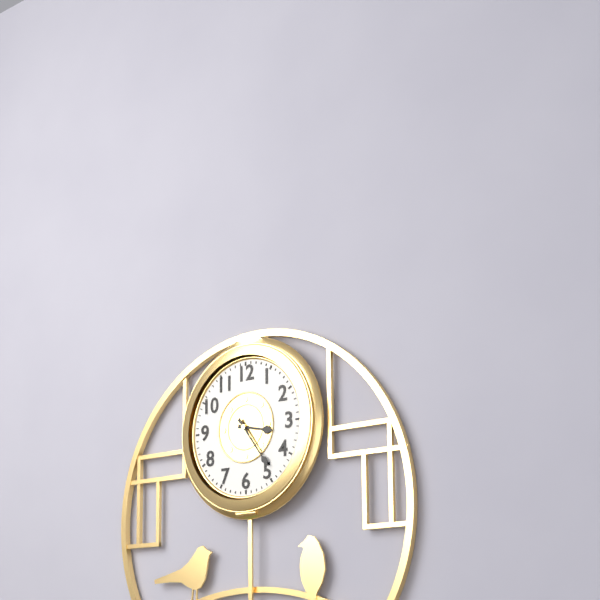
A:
3 h 24 min
